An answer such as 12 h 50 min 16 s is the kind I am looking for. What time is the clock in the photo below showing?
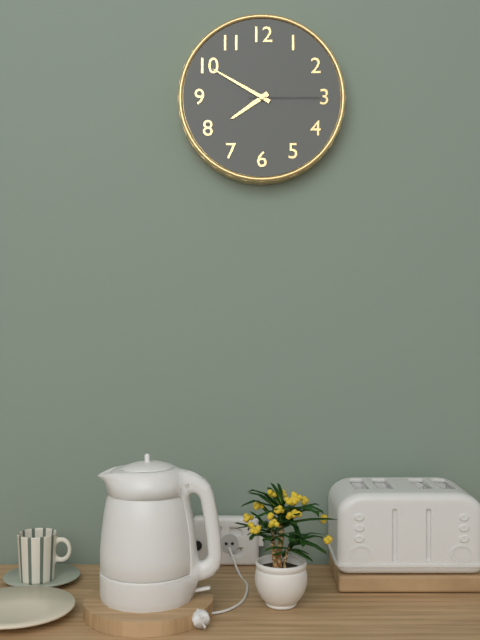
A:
7 h 50 min 15 s
